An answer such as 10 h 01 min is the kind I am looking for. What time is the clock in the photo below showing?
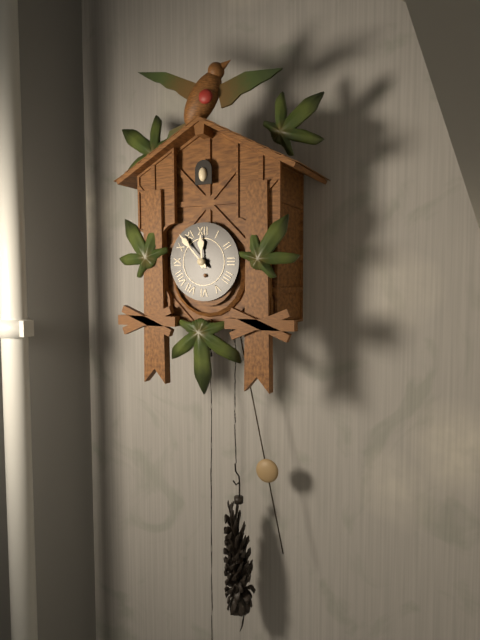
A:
11 h 53 min
